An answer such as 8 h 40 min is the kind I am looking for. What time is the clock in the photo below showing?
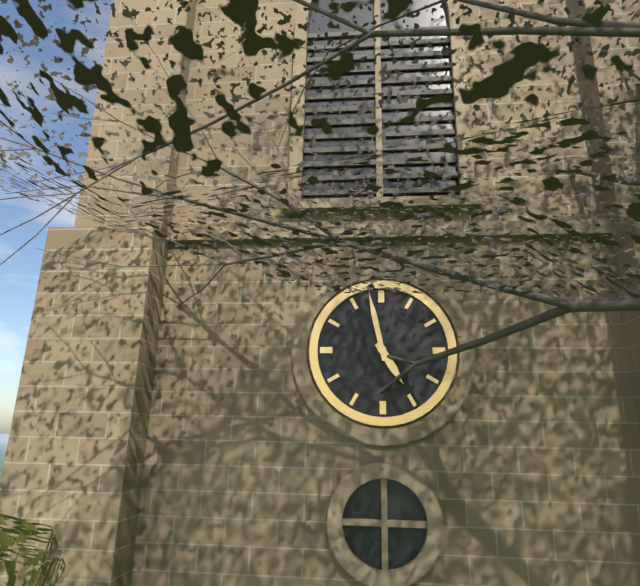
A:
4 h 58 min
